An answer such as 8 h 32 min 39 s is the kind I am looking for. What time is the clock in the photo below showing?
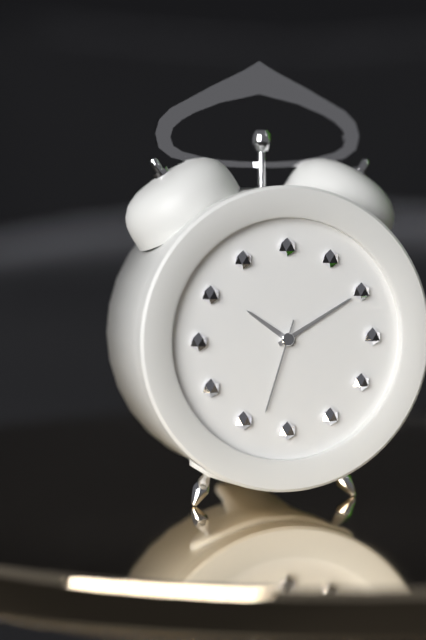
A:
10 h 10 min 33 s
